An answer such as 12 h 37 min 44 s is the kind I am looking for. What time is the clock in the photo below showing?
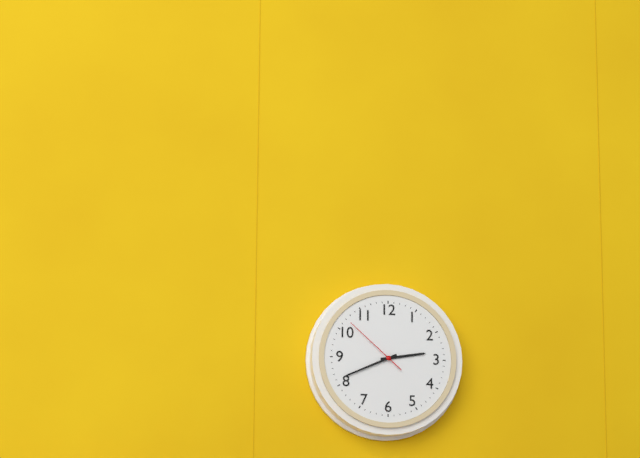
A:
2 h 41 min 52 s
